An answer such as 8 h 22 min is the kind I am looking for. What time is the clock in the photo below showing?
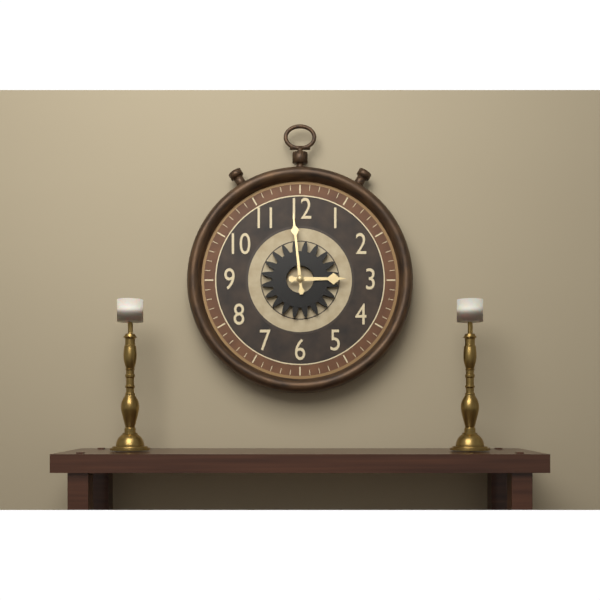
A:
2 h 59 min
